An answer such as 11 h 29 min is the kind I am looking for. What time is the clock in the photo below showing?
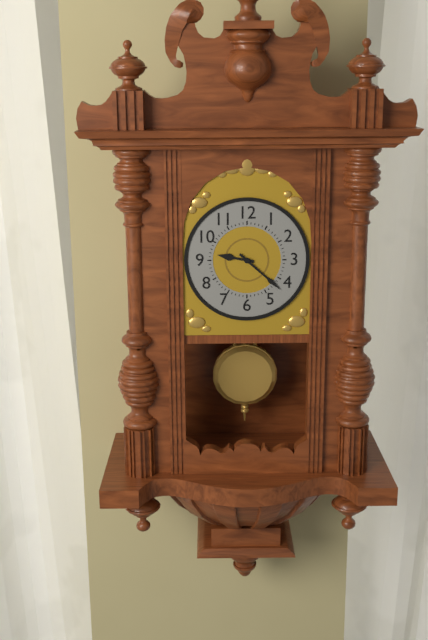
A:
9 h 22 min
